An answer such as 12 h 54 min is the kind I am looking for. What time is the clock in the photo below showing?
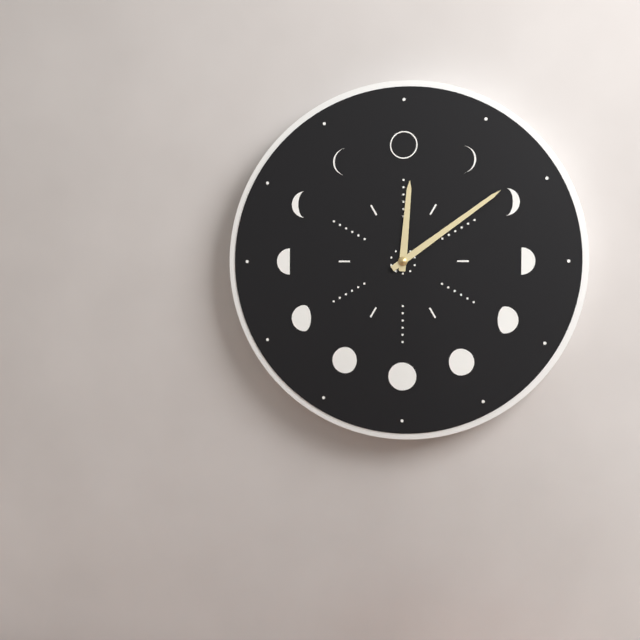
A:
12 h 09 min
